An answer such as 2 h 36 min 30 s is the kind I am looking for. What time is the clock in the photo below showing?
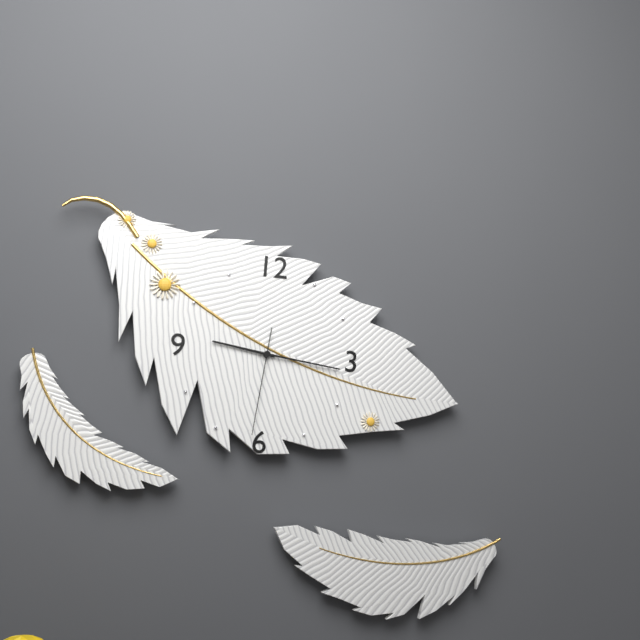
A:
9 h 16 min 31 s
